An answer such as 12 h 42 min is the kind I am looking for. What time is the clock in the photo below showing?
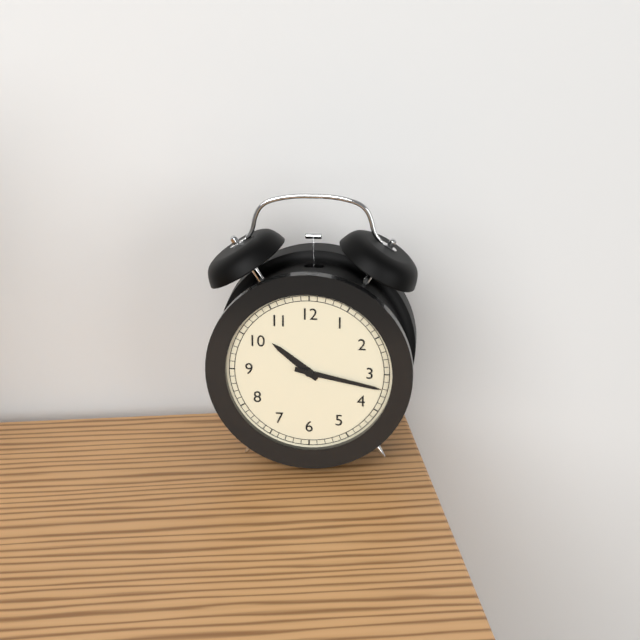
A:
10 h 17 min
